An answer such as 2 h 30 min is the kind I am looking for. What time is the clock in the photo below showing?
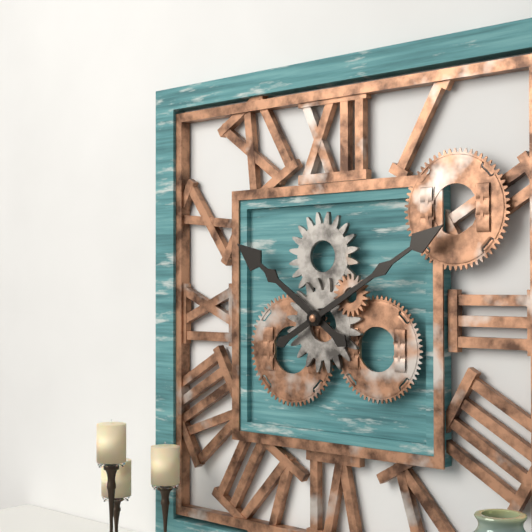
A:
10 h 10 min
